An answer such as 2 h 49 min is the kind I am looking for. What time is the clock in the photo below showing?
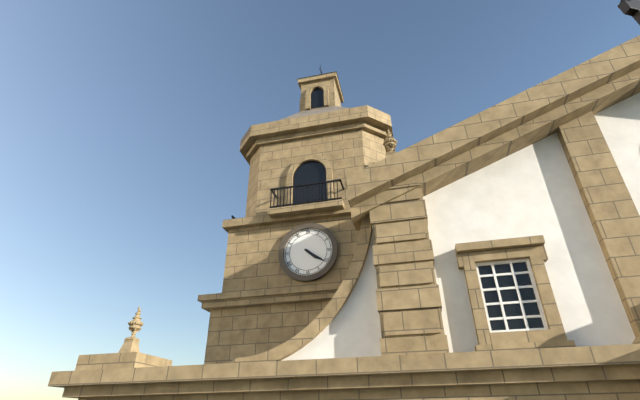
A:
4 h 21 min
